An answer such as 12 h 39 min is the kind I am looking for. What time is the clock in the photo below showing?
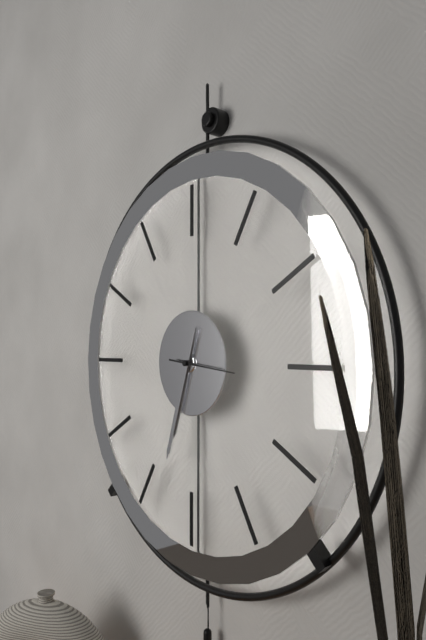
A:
6 h 33 min
